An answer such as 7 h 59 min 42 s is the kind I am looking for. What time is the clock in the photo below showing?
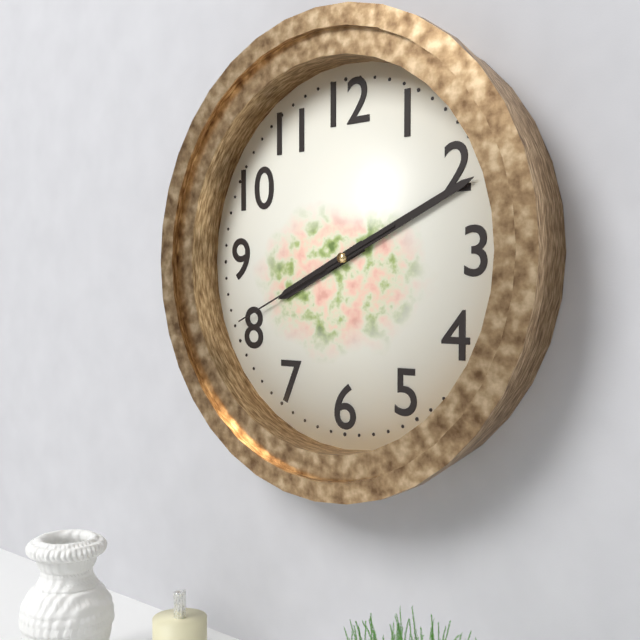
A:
8 h 11 min 41 s
